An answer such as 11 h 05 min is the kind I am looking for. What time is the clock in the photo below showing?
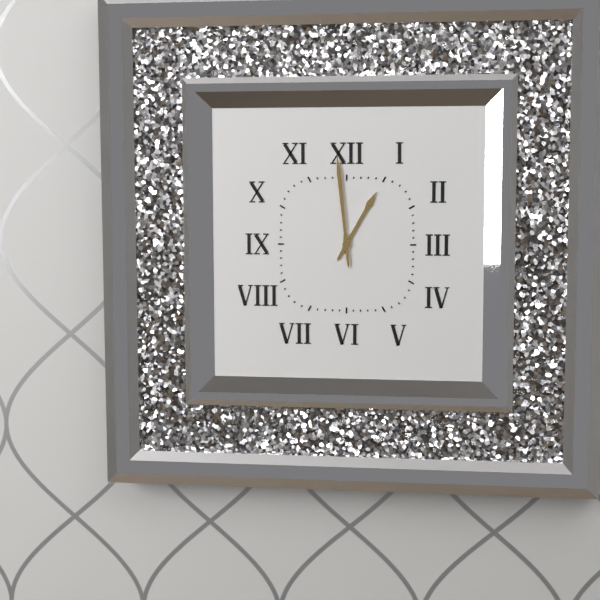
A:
12 h 59 min
